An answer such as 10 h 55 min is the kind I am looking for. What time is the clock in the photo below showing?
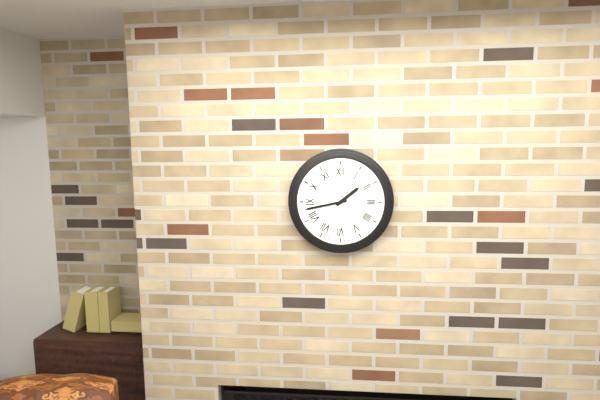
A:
1 h 43 min
